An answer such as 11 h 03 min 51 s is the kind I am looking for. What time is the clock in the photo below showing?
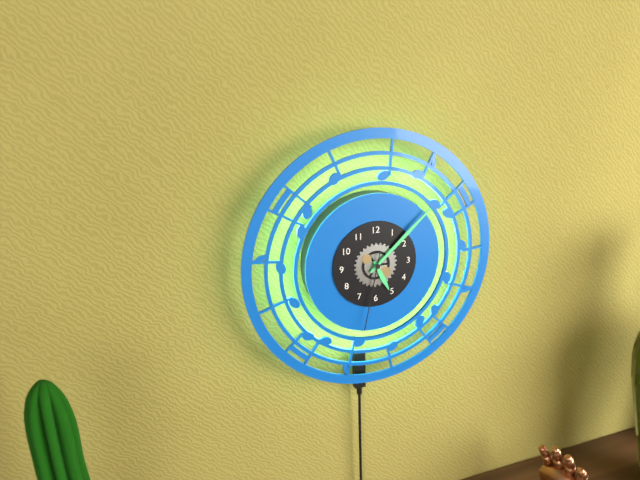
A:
5 h 08 min 32 s
